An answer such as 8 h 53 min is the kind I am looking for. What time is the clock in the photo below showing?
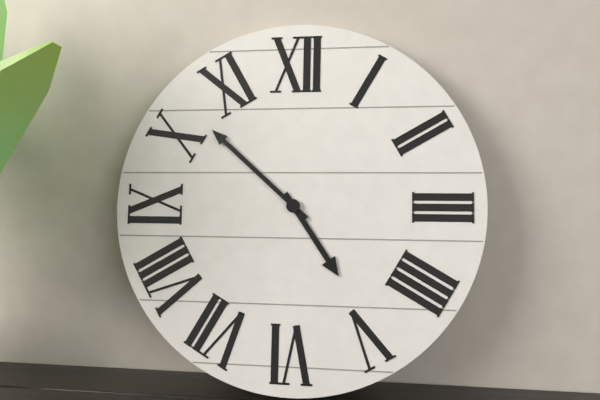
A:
4 h 52 min
